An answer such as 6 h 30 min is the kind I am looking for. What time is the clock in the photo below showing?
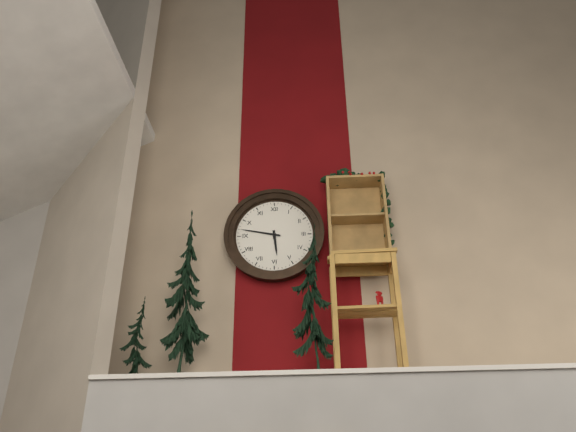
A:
5 h 47 min
